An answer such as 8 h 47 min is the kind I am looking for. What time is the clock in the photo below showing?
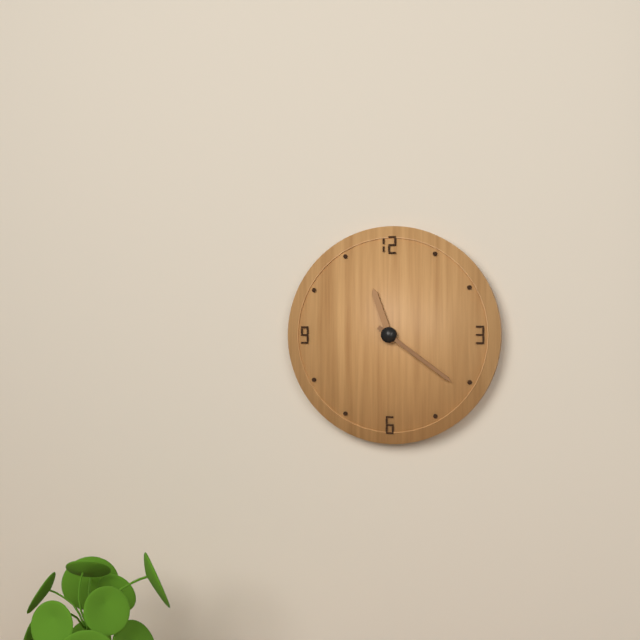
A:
11 h 21 min
